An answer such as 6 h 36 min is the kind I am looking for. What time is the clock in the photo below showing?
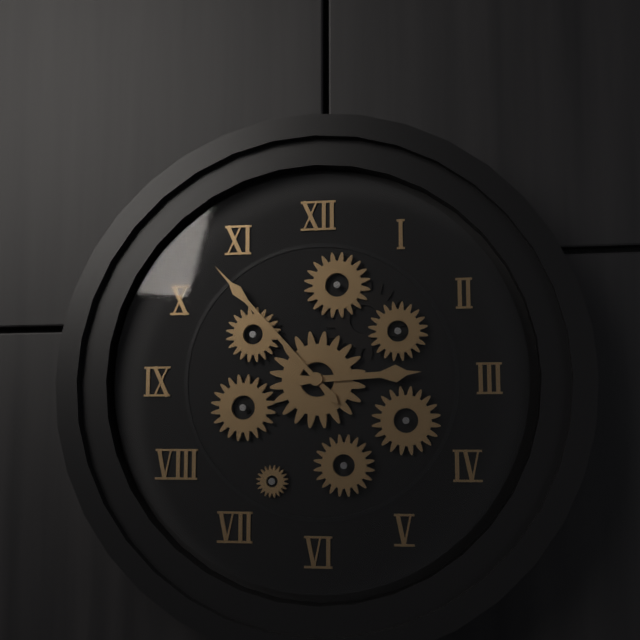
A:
2 h 53 min
